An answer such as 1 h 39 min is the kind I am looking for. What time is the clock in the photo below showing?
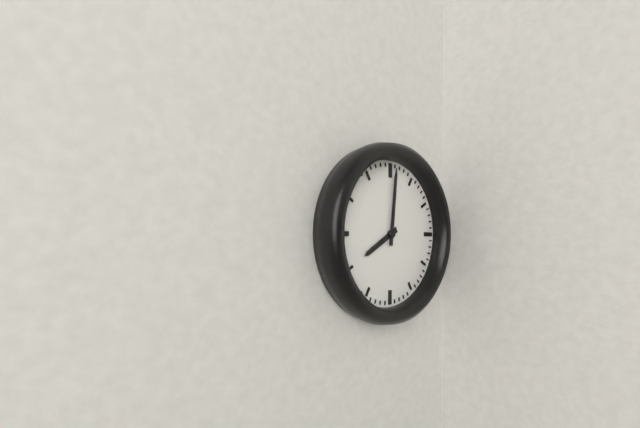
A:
8 h 01 min
